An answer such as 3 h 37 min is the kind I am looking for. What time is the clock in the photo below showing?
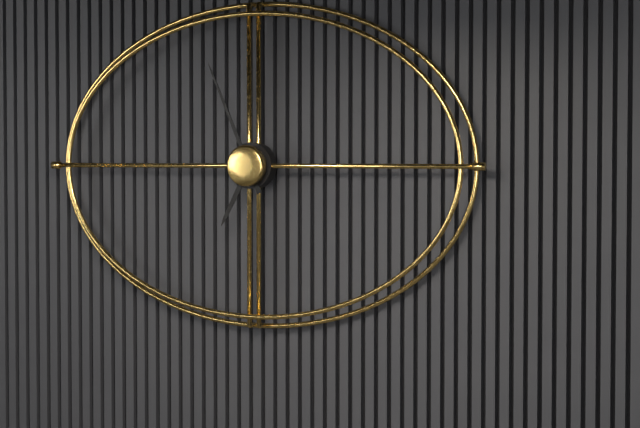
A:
6 h 56 min
